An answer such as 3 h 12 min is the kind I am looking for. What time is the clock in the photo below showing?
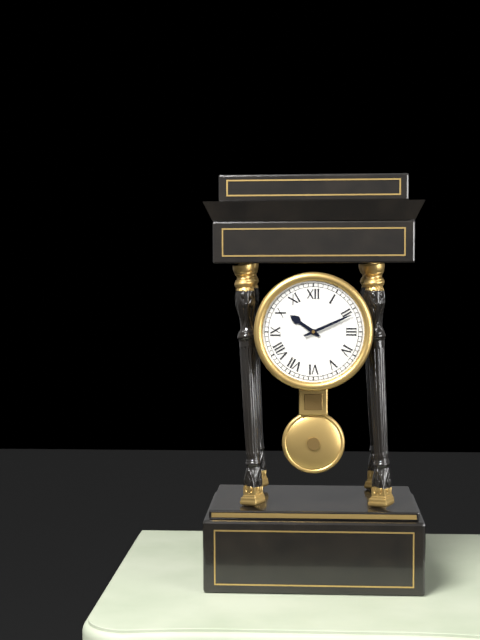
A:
10 h 11 min
